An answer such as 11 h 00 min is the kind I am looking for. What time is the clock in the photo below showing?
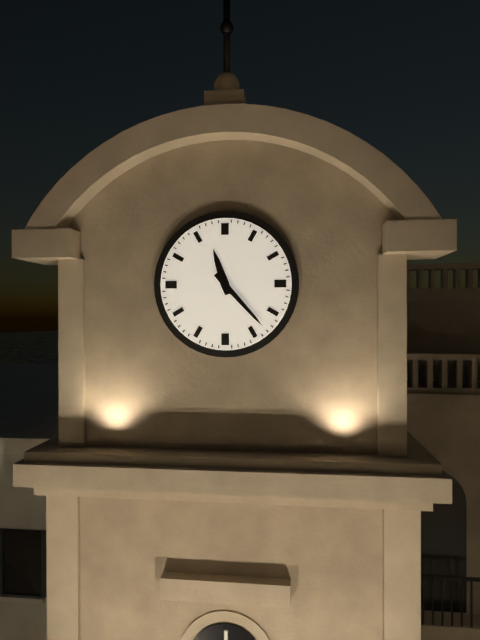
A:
11 h 23 min
